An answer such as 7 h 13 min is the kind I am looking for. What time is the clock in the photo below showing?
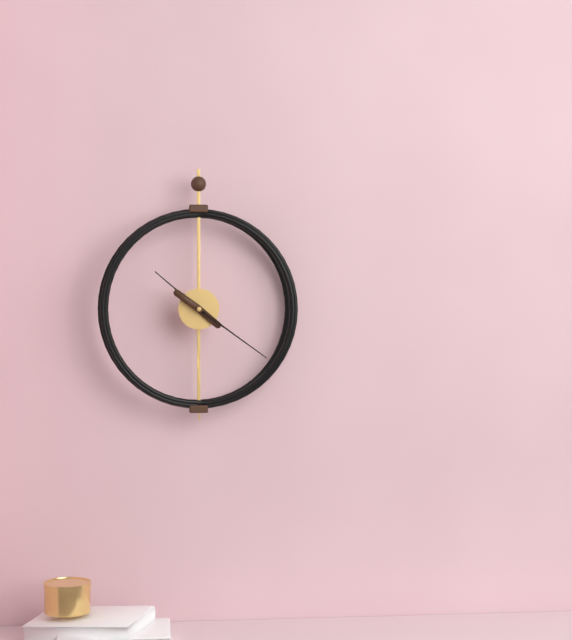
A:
10 h 21 min
